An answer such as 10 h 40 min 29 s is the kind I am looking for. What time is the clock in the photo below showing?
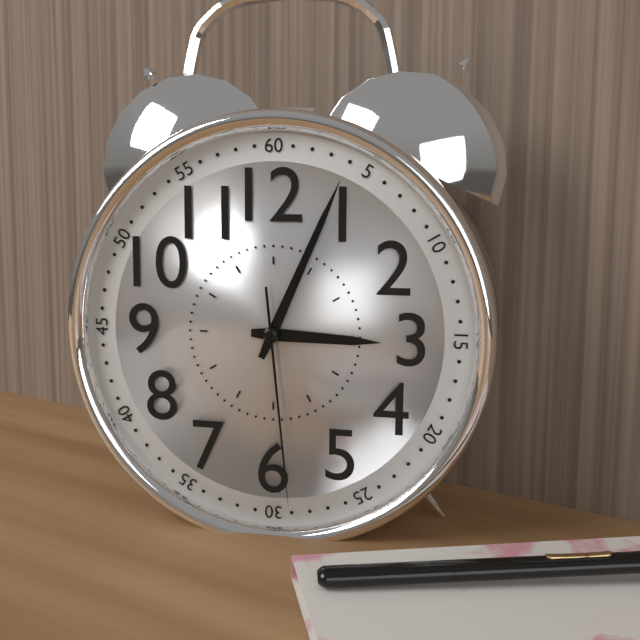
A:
3 h 04 min 29 s
